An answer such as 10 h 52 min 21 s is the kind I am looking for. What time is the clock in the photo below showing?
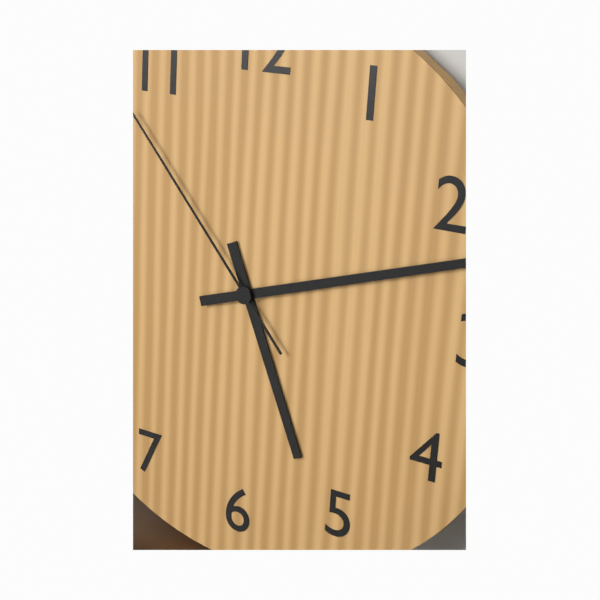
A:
5 h 12 min 53 s
